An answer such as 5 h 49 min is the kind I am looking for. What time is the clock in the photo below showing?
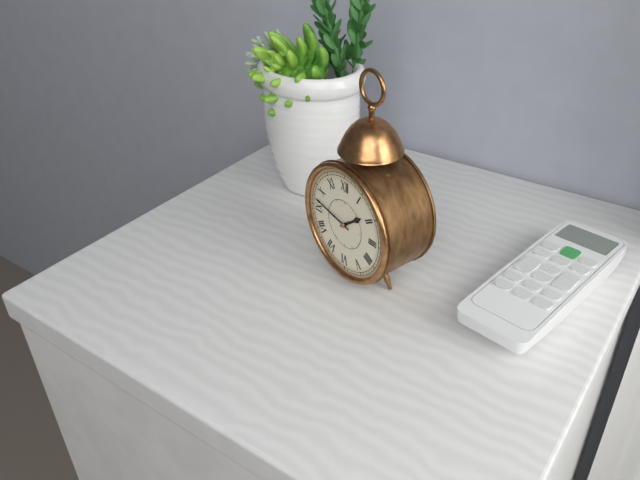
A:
1 h 47 min
